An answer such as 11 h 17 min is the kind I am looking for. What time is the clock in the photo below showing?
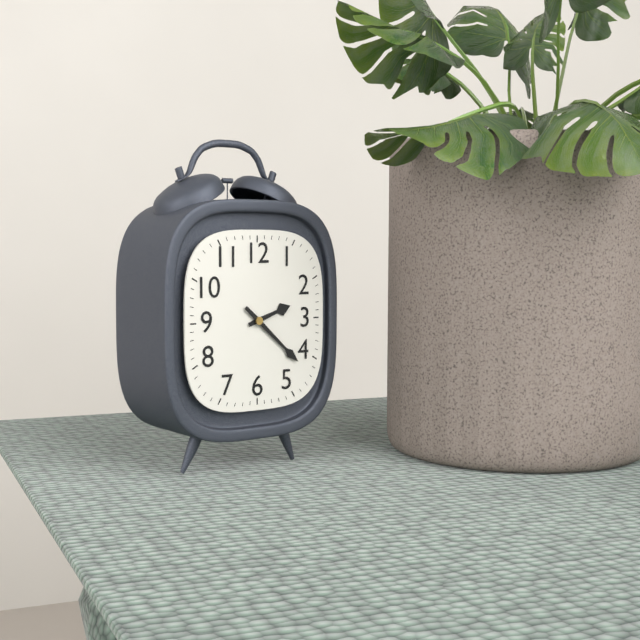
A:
2 h 22 min
